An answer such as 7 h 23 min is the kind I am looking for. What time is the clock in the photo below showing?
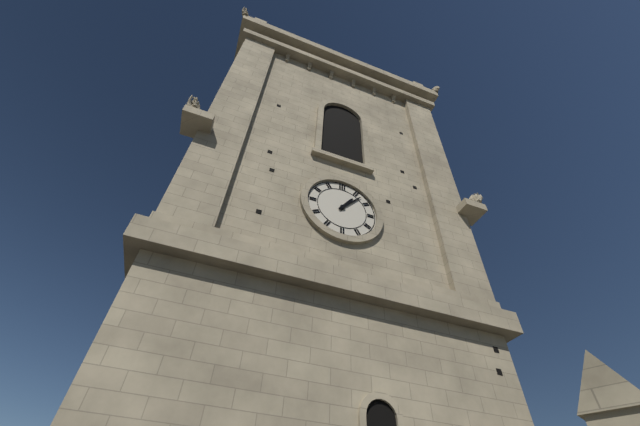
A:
1 h 07 min
